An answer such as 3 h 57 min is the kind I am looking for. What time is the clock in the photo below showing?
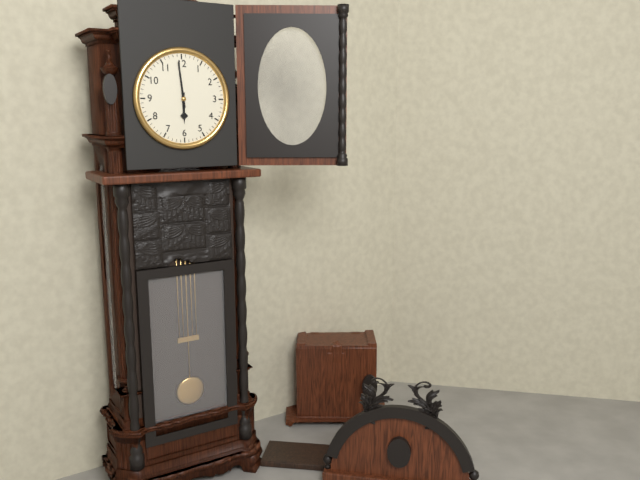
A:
5 h 59 min
